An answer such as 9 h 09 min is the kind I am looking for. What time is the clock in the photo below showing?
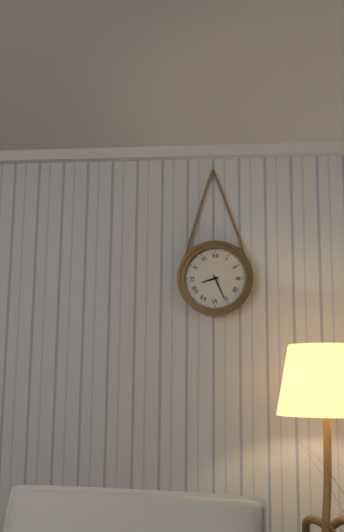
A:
8 h 26 min
